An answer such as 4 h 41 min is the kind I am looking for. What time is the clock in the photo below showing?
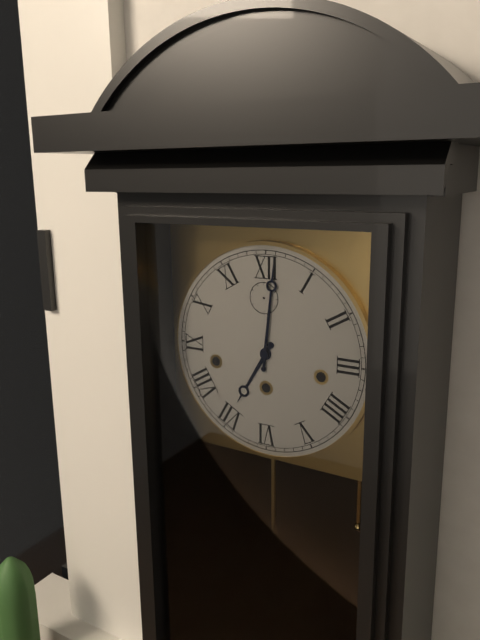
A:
7 h 01 min
